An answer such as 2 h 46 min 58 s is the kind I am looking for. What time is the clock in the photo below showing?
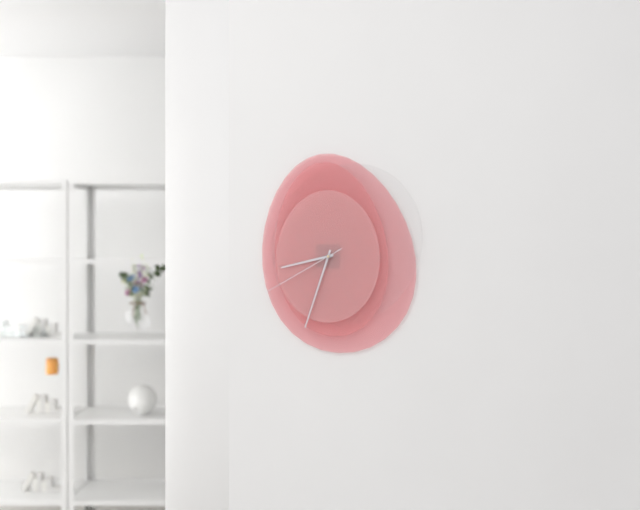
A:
8 h 33 min 40 s
